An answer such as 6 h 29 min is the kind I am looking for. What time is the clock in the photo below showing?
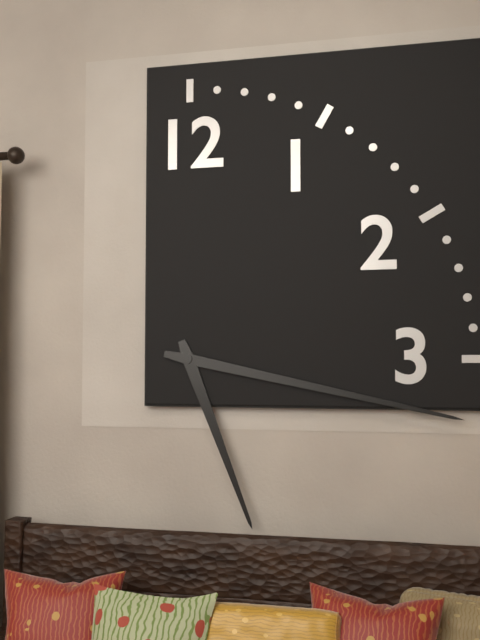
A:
5 h 17 min
